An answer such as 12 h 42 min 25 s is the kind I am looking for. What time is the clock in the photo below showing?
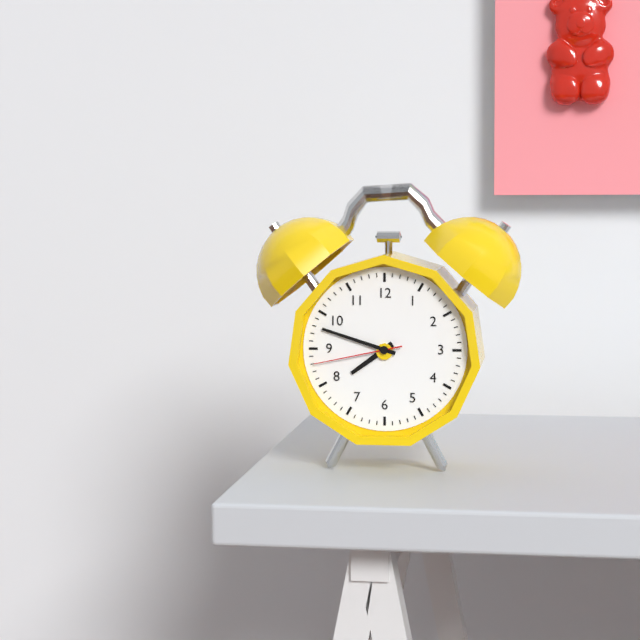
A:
7 h 48 min 43 s
